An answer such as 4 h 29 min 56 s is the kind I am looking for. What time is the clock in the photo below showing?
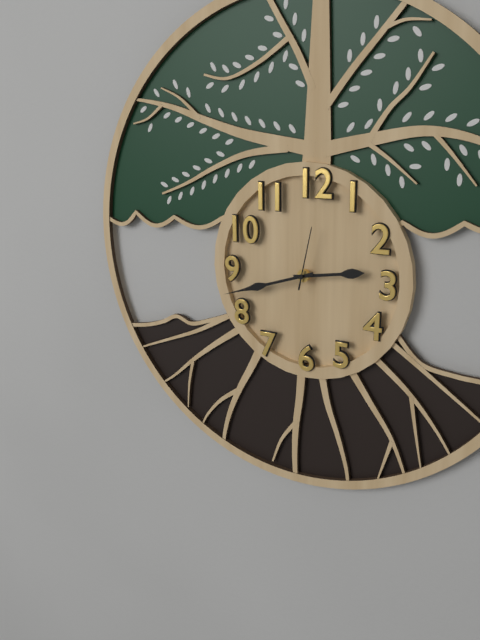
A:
2 h 42 min 02 s
